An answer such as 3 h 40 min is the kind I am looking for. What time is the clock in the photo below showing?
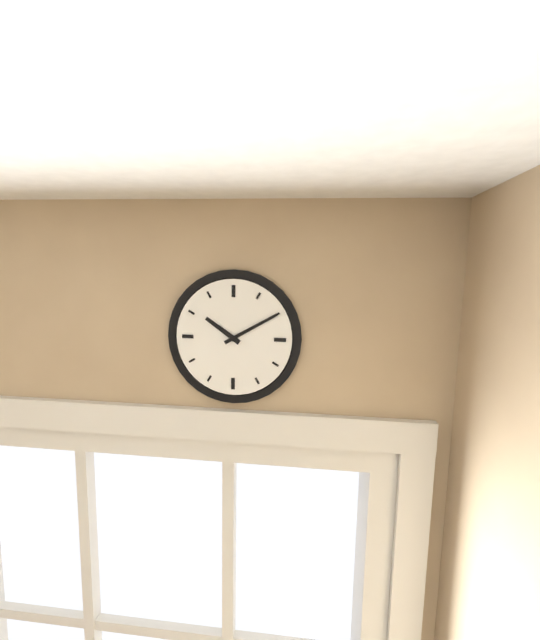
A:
10 h 10 min
